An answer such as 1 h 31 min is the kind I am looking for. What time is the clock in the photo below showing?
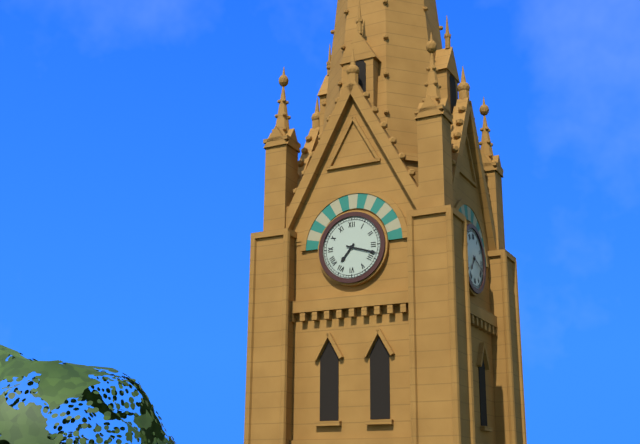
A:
7 h 18 min
